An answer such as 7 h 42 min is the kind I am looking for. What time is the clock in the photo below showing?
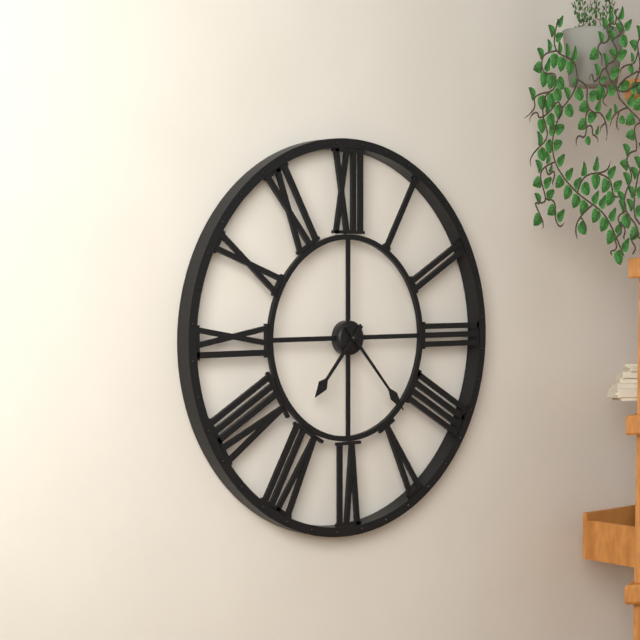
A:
7 h 23 min
